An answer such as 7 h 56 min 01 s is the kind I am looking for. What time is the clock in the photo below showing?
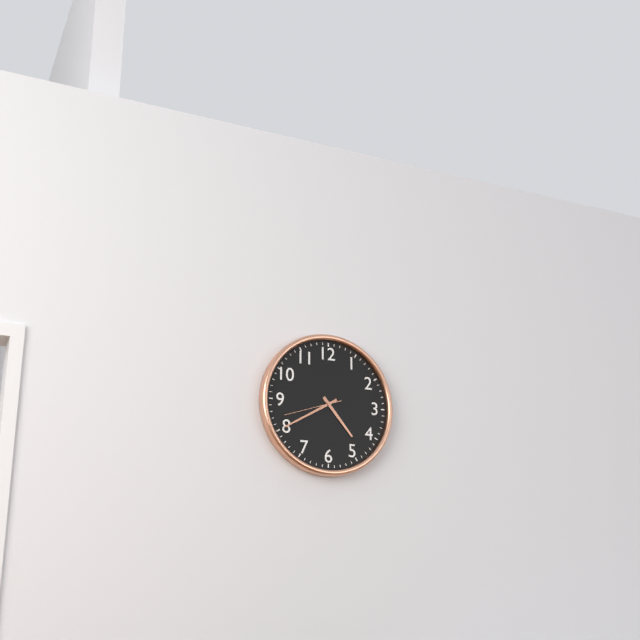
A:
4 h 40 min 42 s
